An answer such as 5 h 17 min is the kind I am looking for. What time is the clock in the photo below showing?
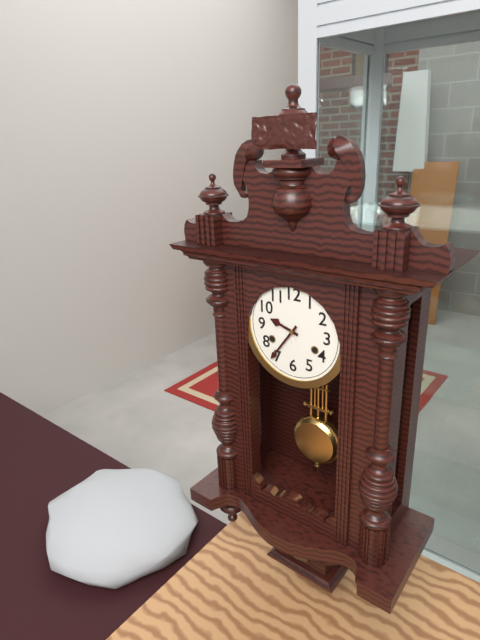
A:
9 h 36 min
